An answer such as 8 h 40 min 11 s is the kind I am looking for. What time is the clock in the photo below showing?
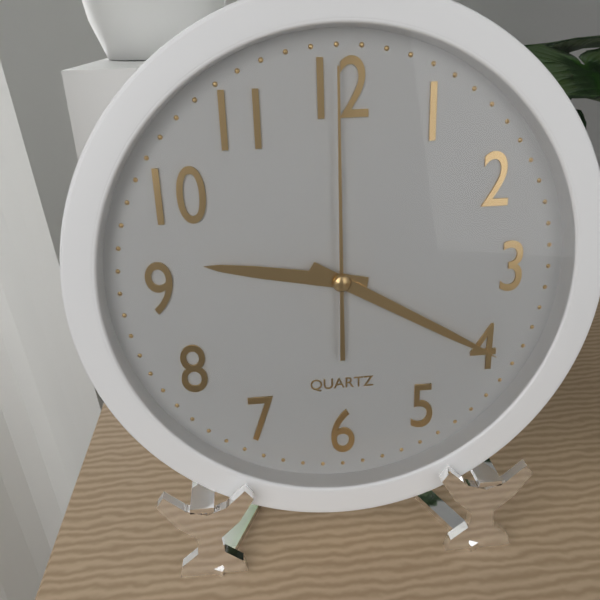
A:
9 h 20 min 00 s
